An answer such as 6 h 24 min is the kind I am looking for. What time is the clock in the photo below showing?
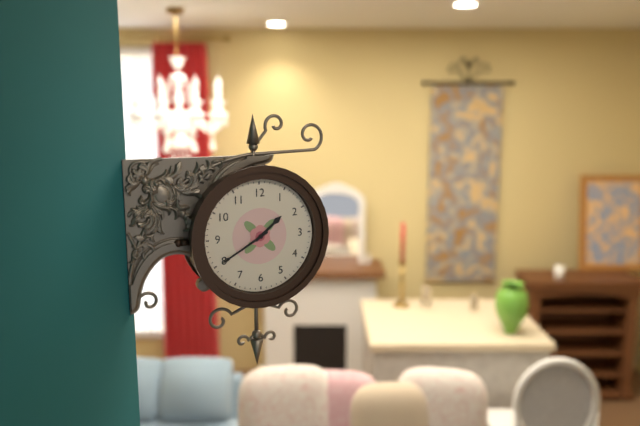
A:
1 h 40 min
